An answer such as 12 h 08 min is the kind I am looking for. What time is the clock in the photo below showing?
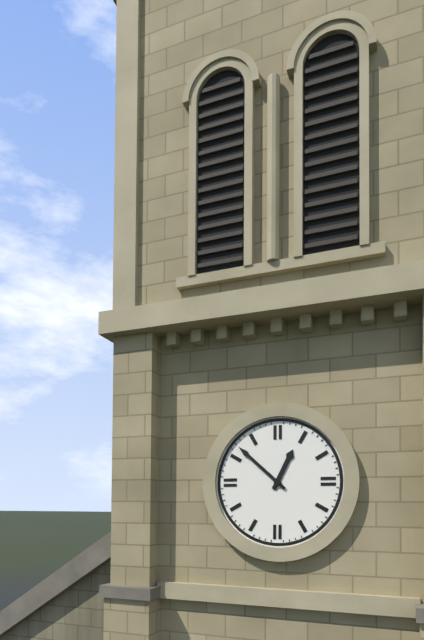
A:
12 h 52 min
